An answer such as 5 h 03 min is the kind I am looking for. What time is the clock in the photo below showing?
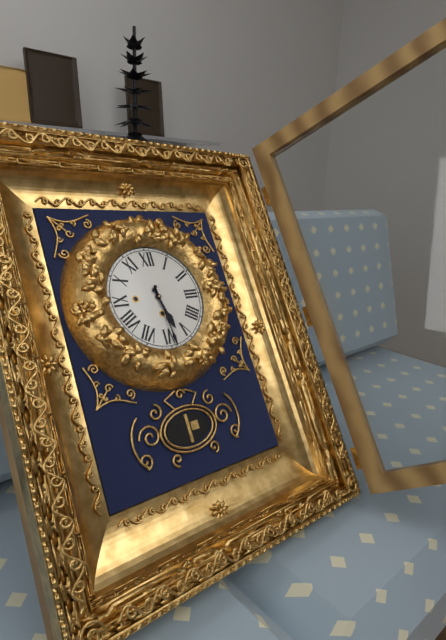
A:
5 h 29 min
